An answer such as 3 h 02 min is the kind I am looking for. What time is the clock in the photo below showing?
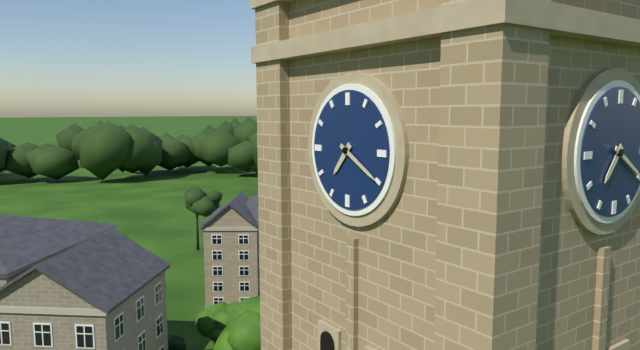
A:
7 h 20 min
